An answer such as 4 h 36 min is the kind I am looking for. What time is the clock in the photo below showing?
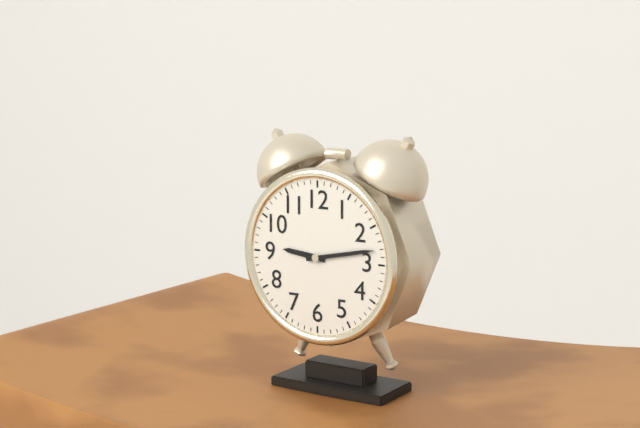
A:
9 h 13 min
